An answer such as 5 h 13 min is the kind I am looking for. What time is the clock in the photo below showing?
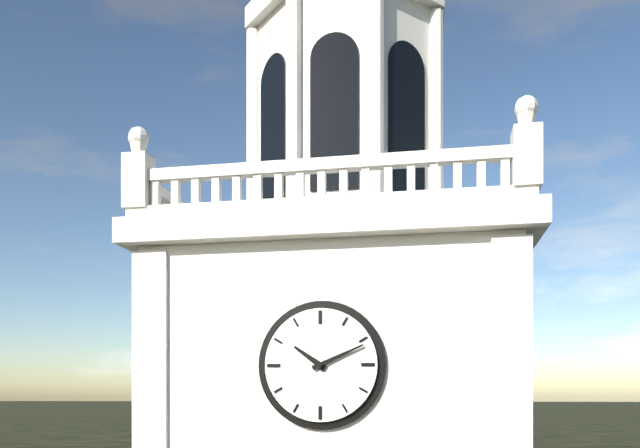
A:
10 h 11 min
